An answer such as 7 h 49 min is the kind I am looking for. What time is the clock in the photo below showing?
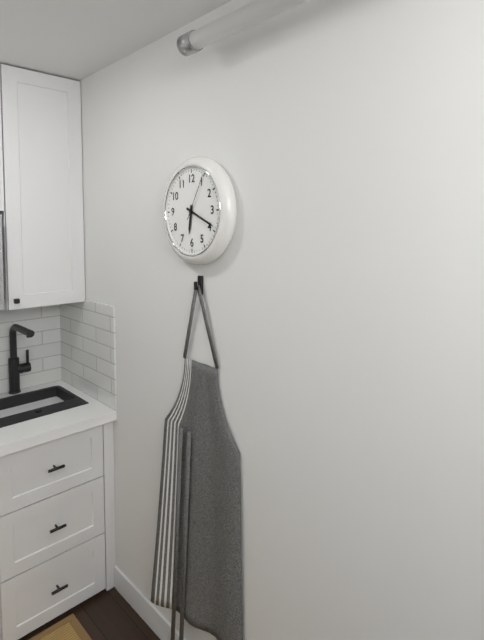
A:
6 h 19 min
